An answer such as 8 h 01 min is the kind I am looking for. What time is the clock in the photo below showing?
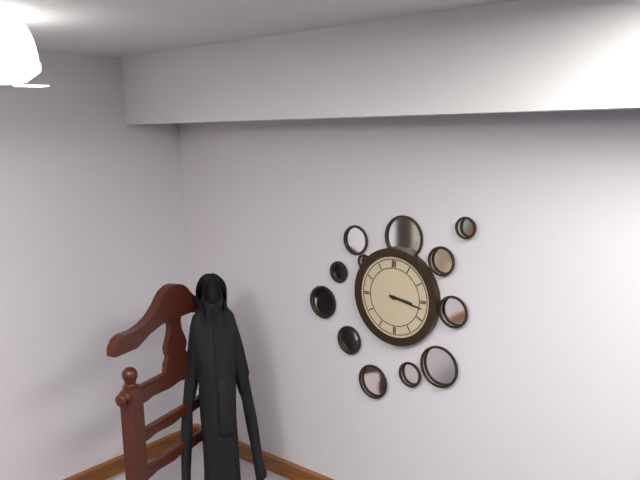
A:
3 h 17 min
